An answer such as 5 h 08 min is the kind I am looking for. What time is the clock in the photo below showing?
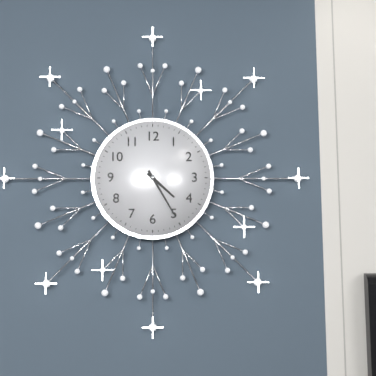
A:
4 h 25 min
